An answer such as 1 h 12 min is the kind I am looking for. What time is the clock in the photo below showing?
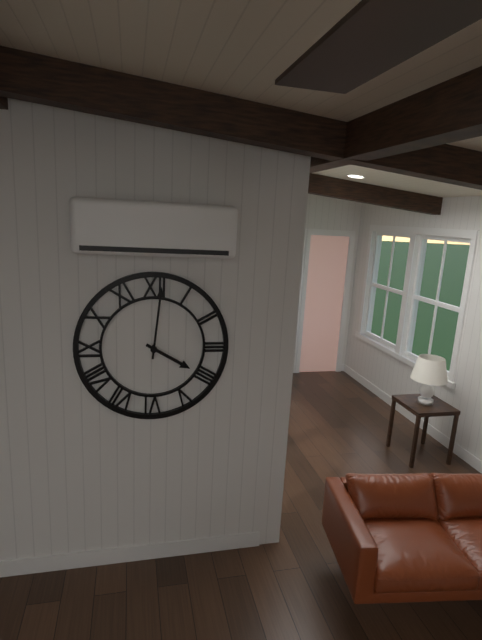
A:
4 h 01 min
